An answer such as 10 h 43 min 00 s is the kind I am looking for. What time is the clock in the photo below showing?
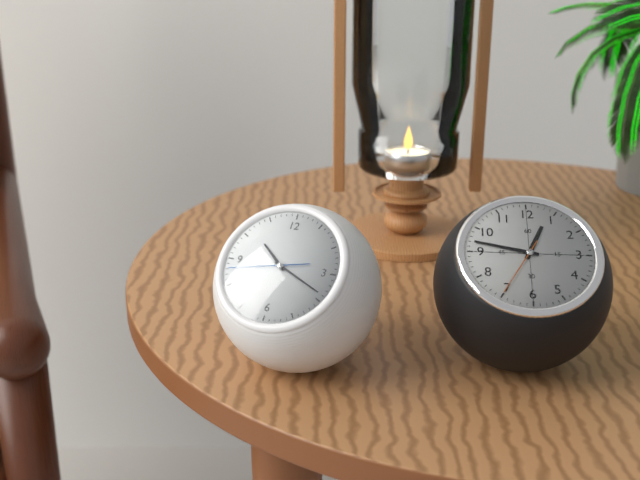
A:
10 h 19 min 43 s
